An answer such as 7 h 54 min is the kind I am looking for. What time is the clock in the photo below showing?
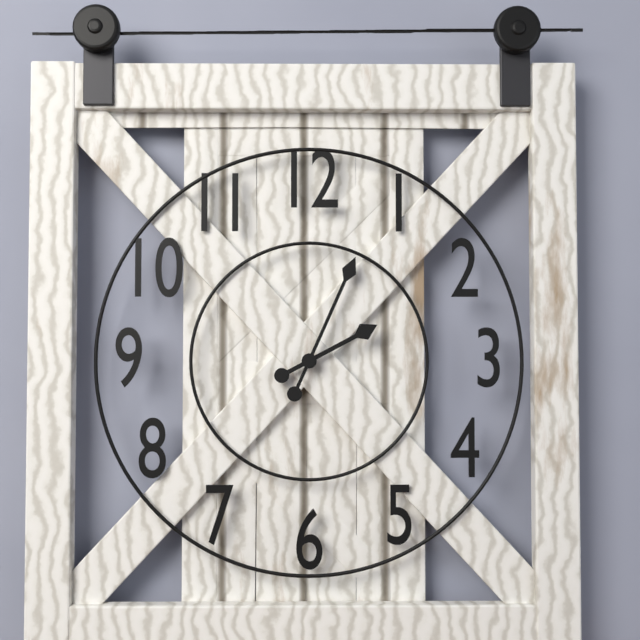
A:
2 h 04 min
